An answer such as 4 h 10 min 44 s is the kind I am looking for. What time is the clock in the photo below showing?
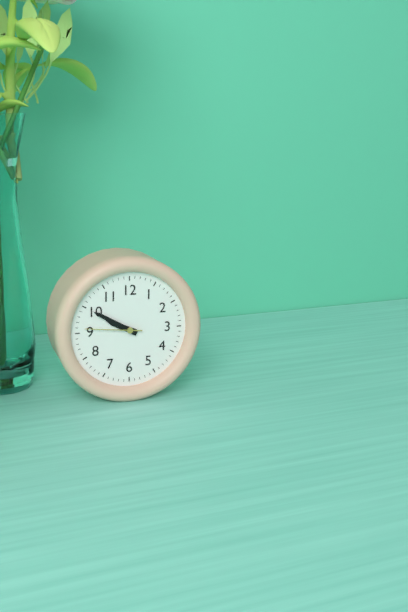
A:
9 h 50 min 46 s
